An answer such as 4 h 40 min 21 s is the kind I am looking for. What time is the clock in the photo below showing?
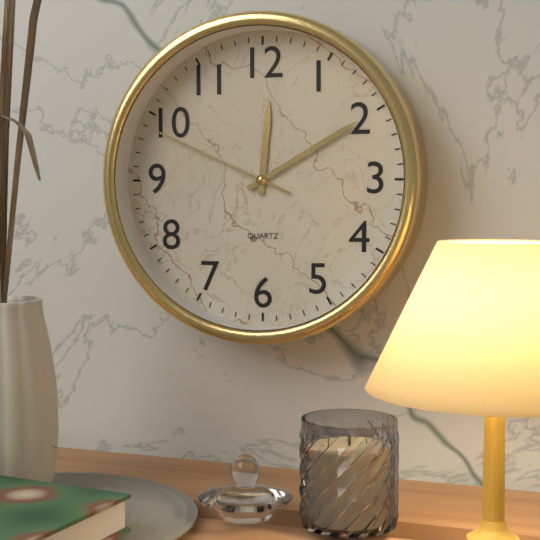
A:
12 h 10 min 49 s
